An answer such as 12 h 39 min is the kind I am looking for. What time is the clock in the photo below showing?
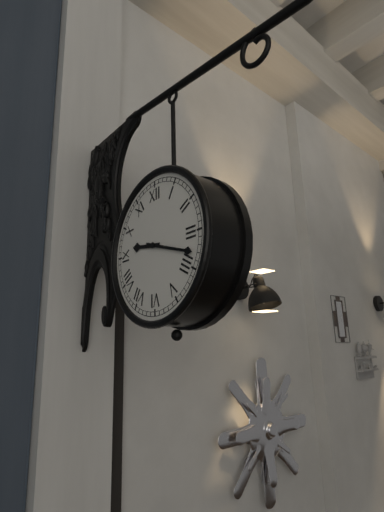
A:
9 h 18 min
